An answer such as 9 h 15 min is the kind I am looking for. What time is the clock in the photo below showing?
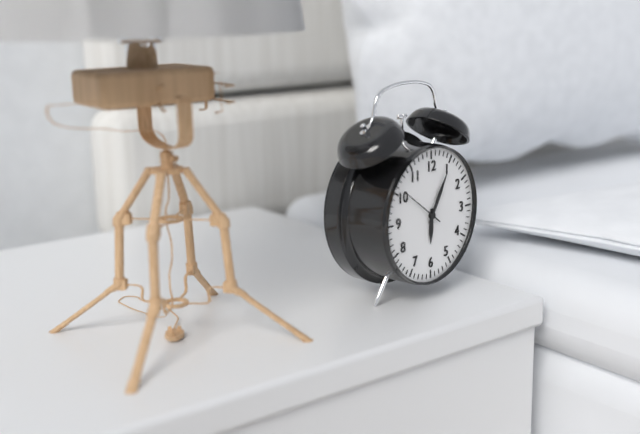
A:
6 h 05 min
